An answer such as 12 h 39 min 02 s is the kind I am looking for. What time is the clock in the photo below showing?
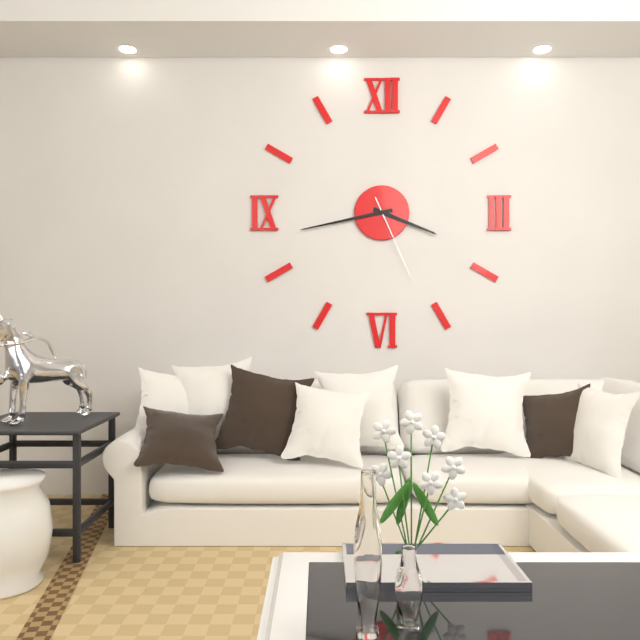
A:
3 h 43 min 26 s
